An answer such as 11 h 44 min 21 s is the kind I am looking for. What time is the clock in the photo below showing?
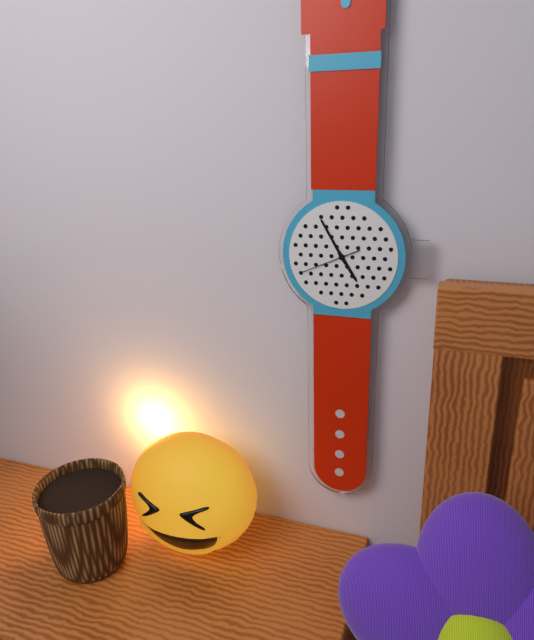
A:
4 h 55 min 41 s
